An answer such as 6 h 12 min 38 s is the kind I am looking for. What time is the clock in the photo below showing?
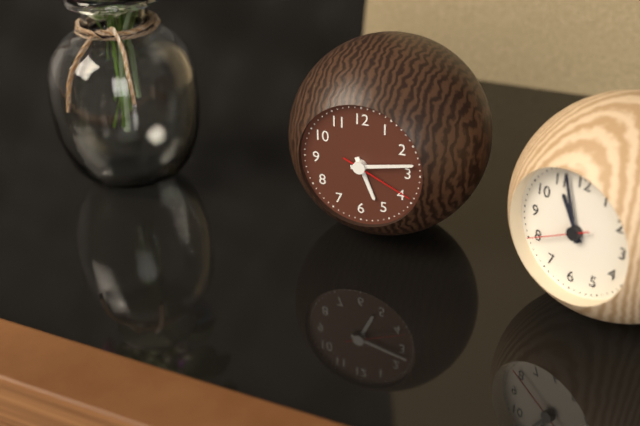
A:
5 h 13 min 19 s
